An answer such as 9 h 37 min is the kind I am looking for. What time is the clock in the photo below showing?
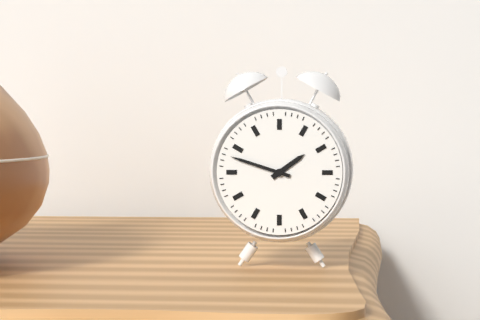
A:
1 h 48 min
